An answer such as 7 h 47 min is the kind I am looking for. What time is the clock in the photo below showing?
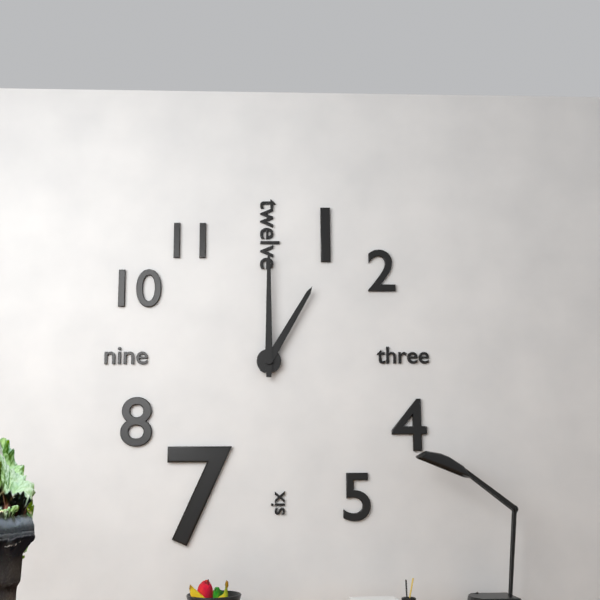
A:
1 h 00 min
